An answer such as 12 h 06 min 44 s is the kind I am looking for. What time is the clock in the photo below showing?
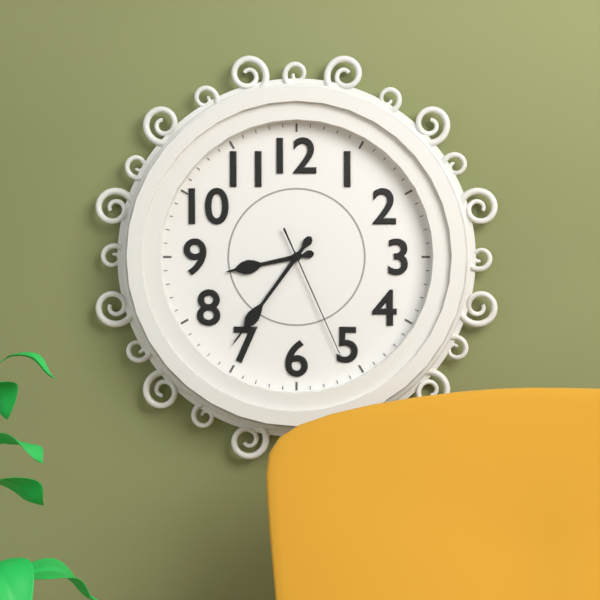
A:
8 h 36 min 26 s
